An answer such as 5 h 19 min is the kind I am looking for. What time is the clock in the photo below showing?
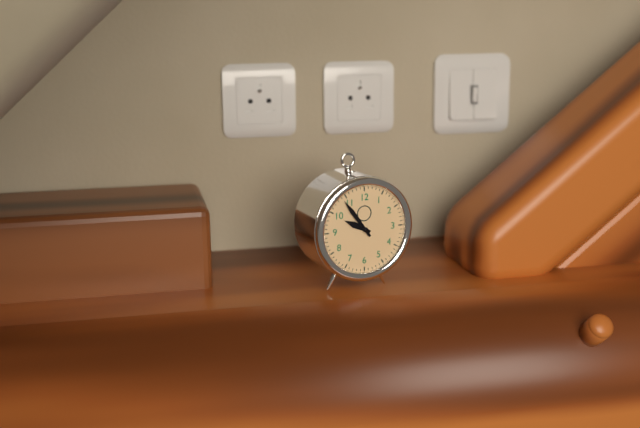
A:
9 h 54 min
